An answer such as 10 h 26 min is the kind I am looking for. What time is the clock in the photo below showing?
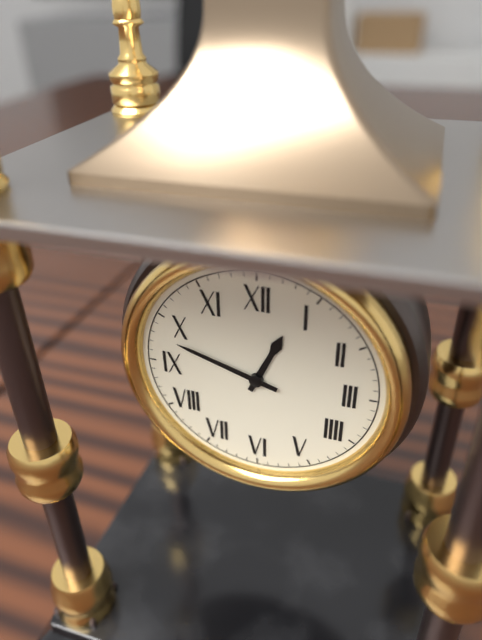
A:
12 h 48 min
